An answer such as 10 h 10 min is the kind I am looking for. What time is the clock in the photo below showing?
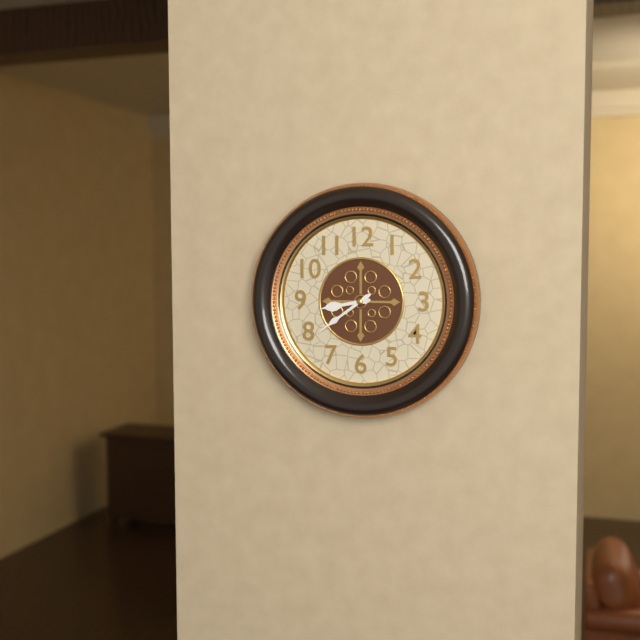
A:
8 h 39 min
